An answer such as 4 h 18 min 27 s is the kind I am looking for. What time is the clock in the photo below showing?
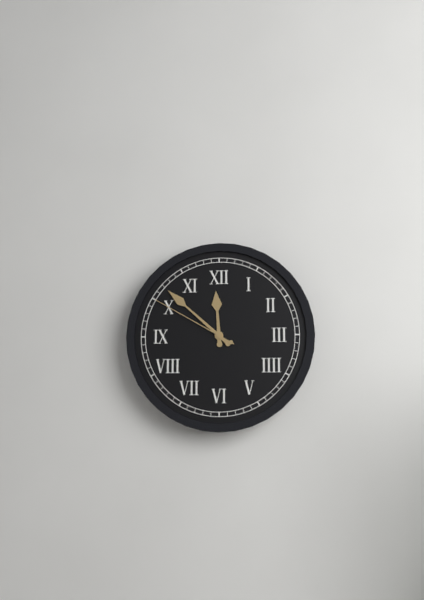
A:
11 h 52 min 50 s
